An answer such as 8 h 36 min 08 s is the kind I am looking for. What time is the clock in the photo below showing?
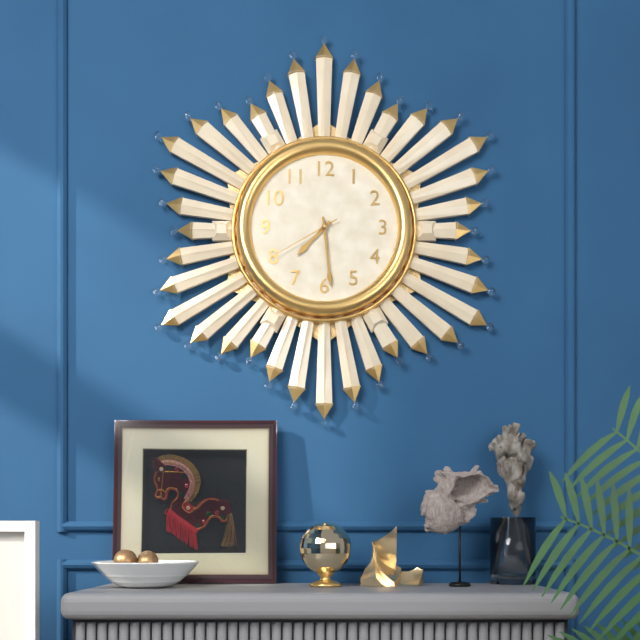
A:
7 h 29 min 40 s
